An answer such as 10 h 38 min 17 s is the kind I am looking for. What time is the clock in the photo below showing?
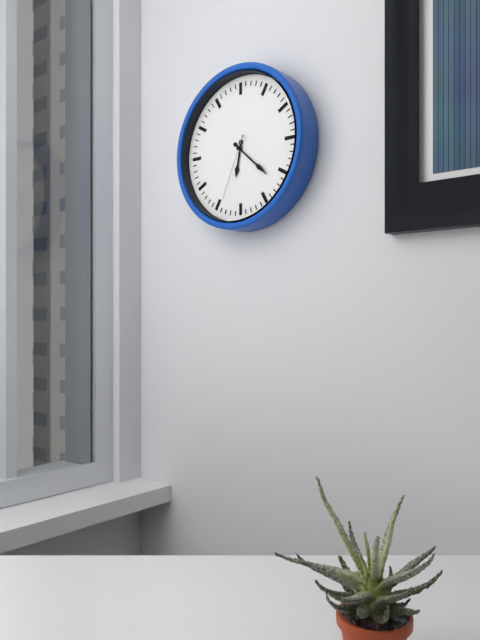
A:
6 h 22 min 34 s
